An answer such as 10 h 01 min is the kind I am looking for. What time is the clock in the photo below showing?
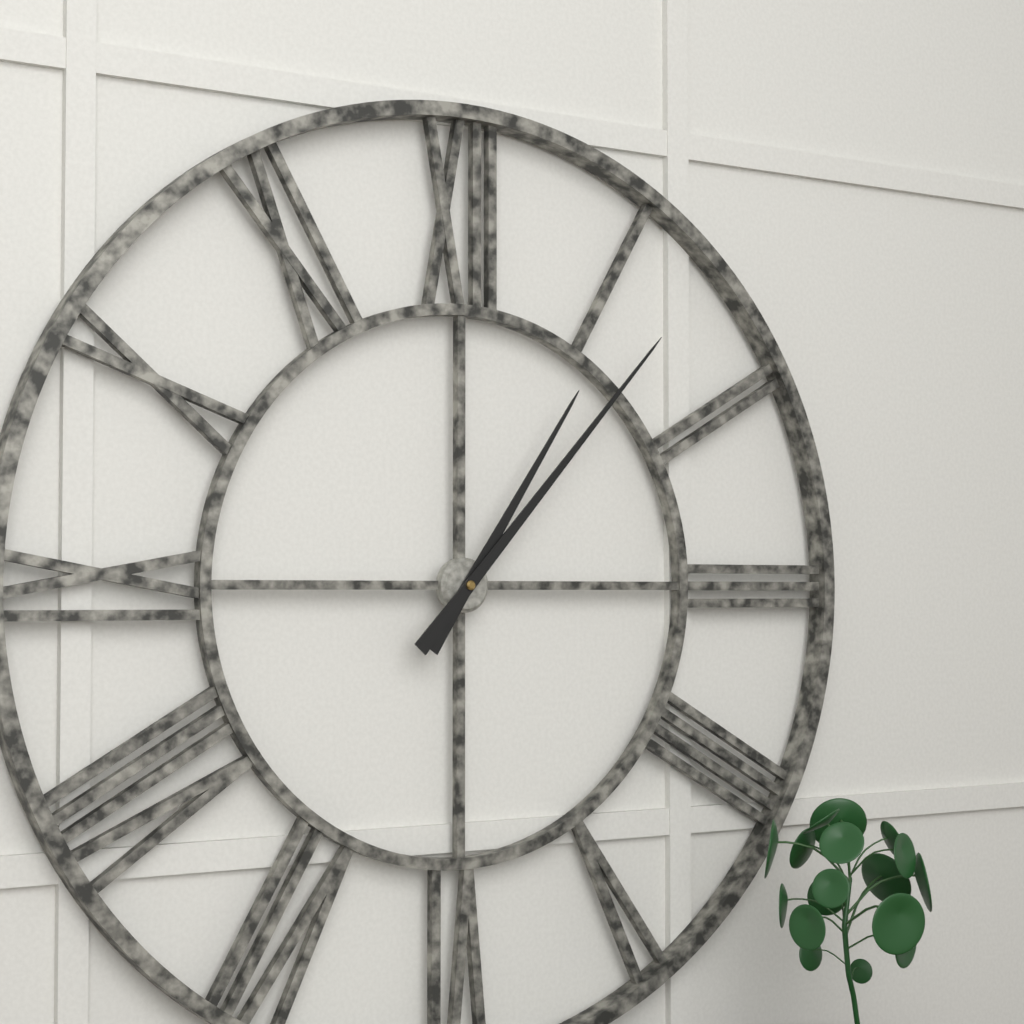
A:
1 h 07 min
